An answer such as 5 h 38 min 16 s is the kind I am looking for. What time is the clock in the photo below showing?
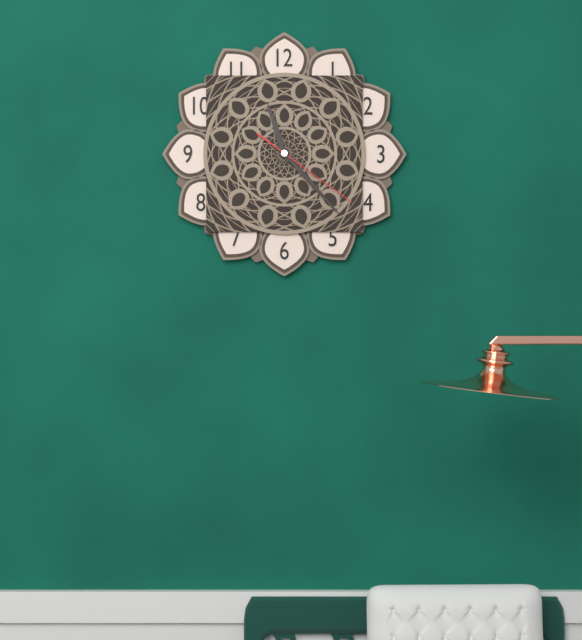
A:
11 h 23 min 21 s
